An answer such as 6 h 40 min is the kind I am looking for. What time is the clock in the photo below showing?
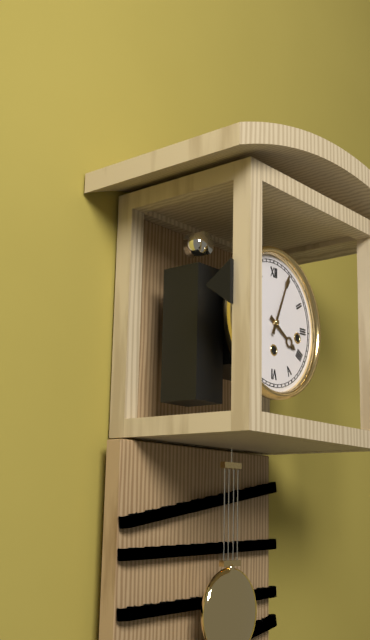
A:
4 h 04 min
